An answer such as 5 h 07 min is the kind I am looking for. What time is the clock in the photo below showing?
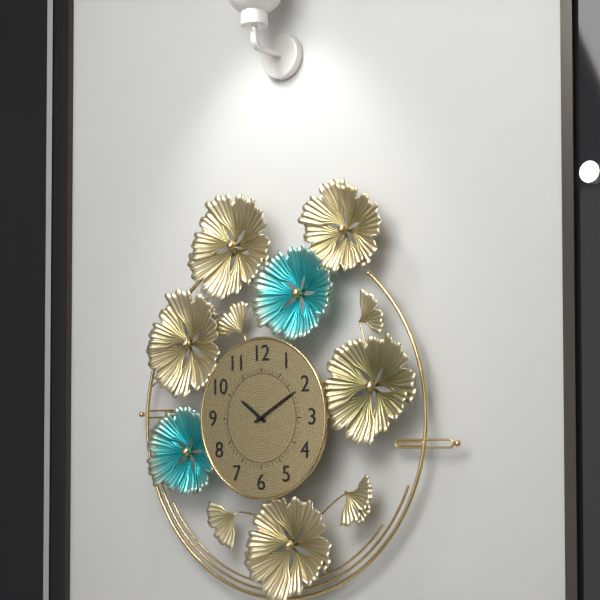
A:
10 h 10 min
